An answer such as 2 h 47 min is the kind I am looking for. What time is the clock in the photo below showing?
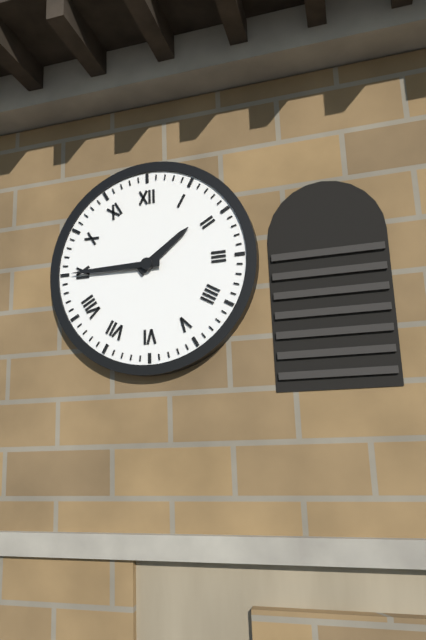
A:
1 h 45 min
